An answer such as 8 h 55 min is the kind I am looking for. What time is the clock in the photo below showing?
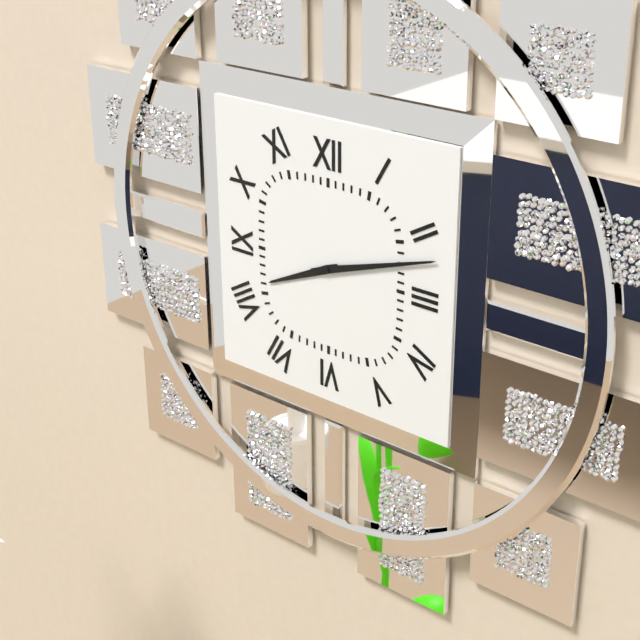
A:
8 h 12 min
